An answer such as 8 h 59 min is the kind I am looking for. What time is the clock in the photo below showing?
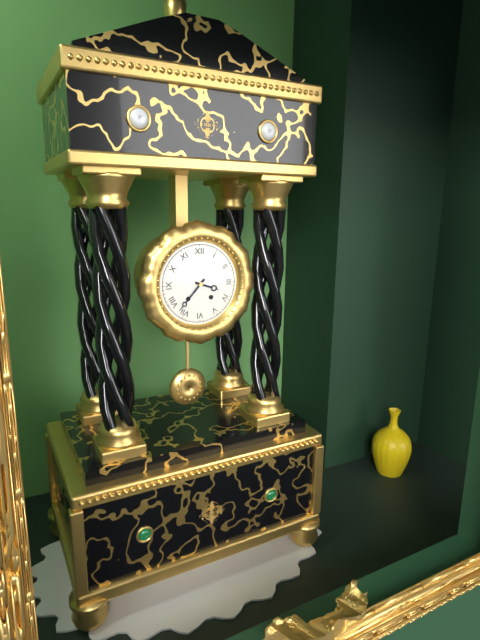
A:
3 h 37 min
